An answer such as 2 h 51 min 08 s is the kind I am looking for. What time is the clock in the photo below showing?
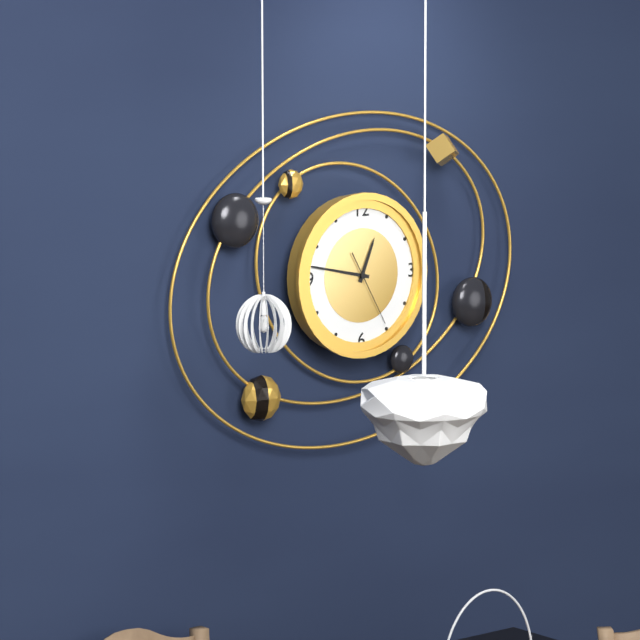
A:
12 h 47 min 25 s
